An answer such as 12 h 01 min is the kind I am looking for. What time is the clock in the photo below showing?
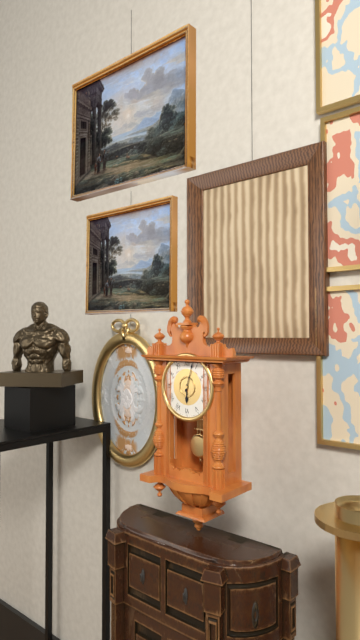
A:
6 h 03 min
